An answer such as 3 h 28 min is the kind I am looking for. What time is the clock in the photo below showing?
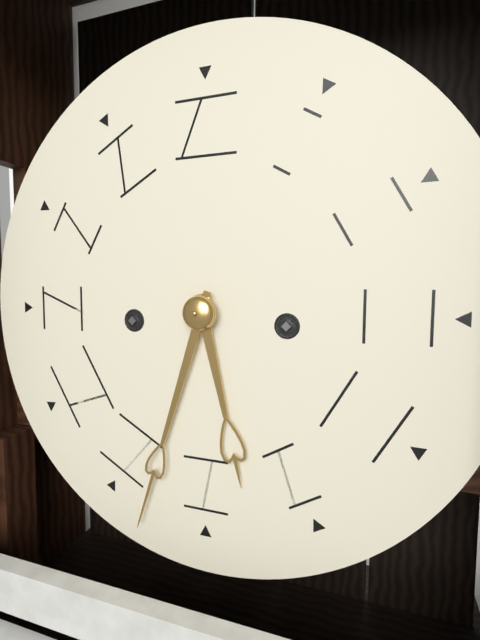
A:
5 h 33 min
